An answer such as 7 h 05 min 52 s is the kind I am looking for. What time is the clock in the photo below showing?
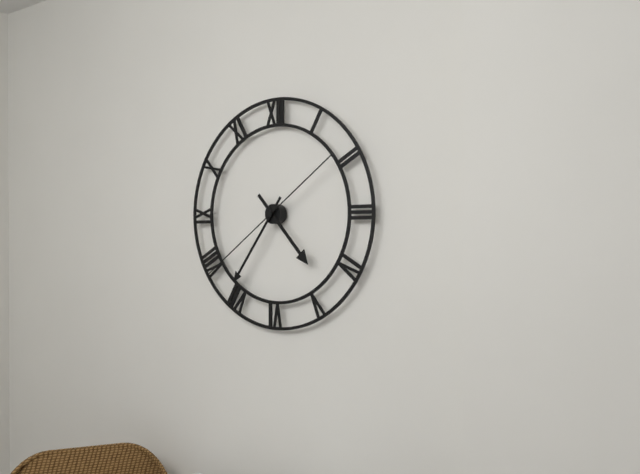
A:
4 h 36 min 39 s
